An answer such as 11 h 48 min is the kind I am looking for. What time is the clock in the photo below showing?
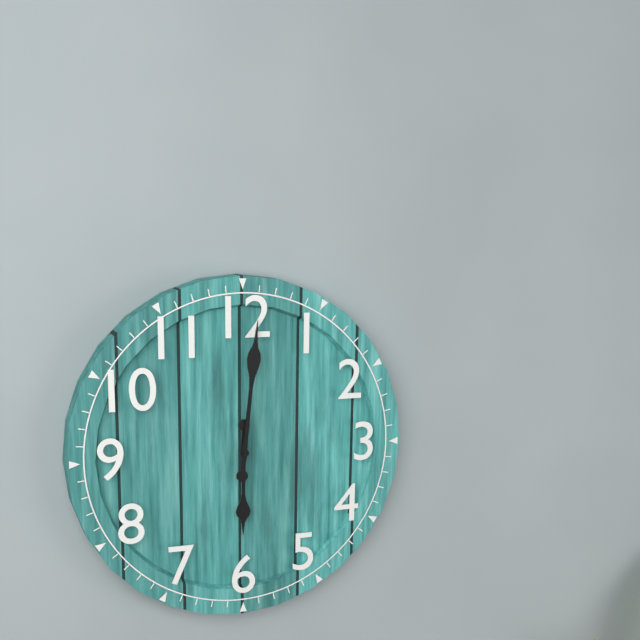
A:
6 h 01 min
